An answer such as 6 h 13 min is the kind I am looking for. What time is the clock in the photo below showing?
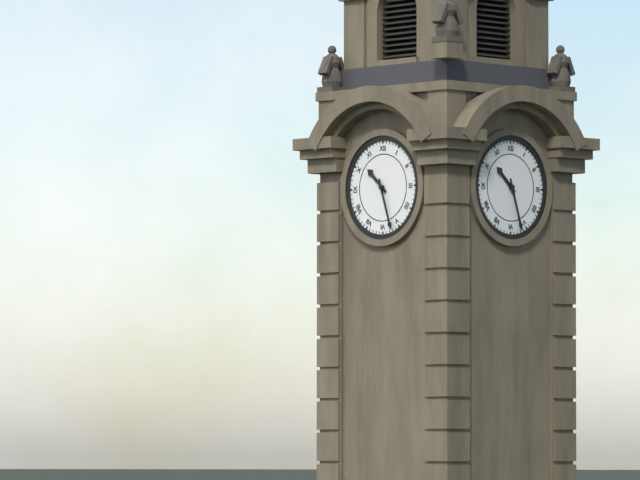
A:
10 h 27 min
